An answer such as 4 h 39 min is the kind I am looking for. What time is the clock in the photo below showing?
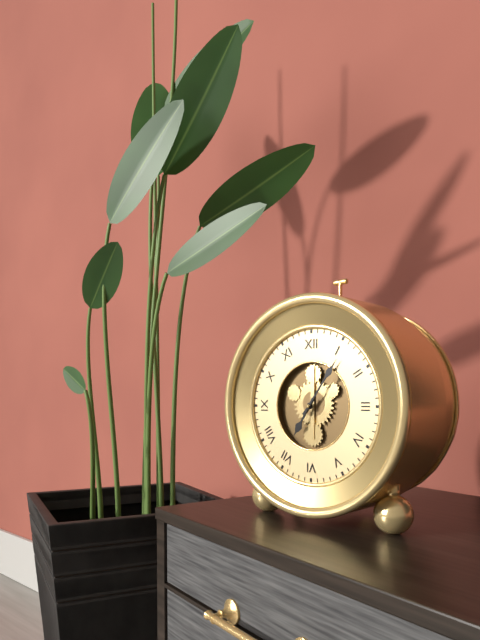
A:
7 h 06 min
